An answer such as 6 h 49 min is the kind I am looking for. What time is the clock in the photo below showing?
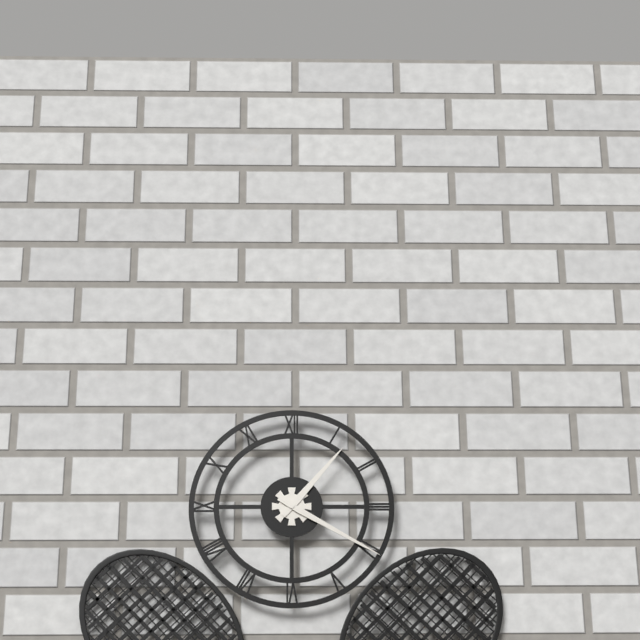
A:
1 h 20 min
